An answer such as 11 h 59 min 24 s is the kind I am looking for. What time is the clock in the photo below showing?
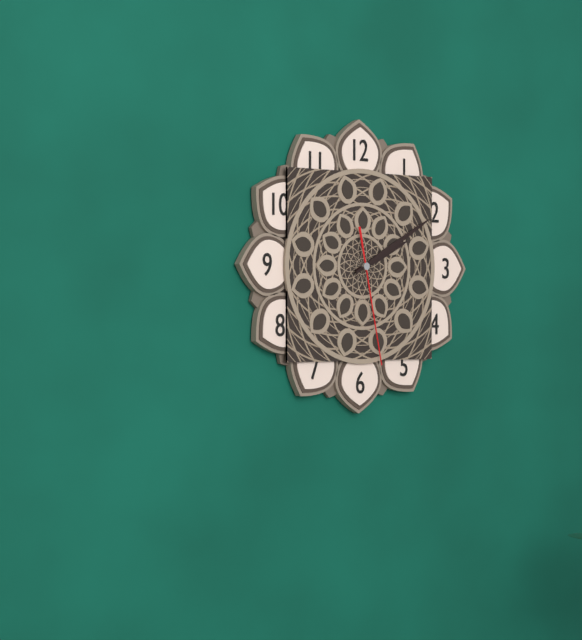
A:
2 h 10 min 28 s
